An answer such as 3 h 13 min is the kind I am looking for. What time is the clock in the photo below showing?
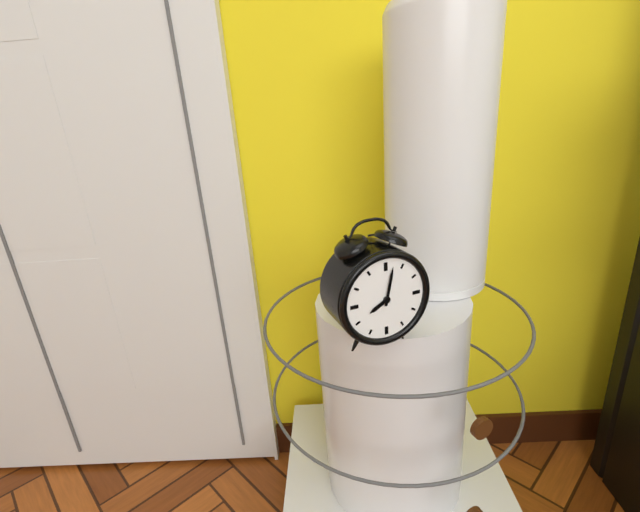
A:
8 h 02 min
